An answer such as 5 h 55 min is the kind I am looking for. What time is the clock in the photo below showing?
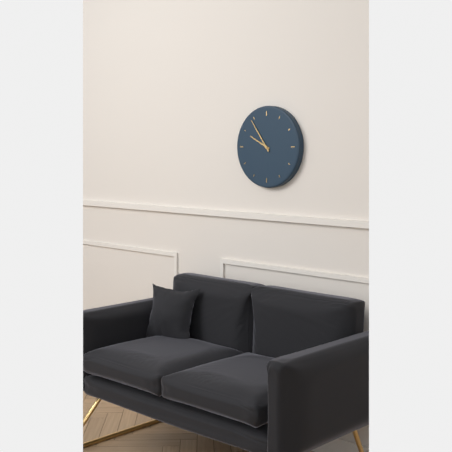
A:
9 h 54 min
